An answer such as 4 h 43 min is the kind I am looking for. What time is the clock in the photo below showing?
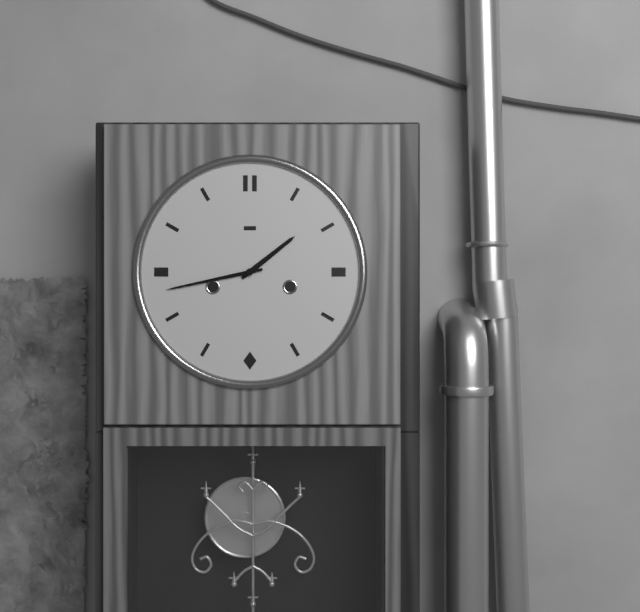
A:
1 h 43 min
